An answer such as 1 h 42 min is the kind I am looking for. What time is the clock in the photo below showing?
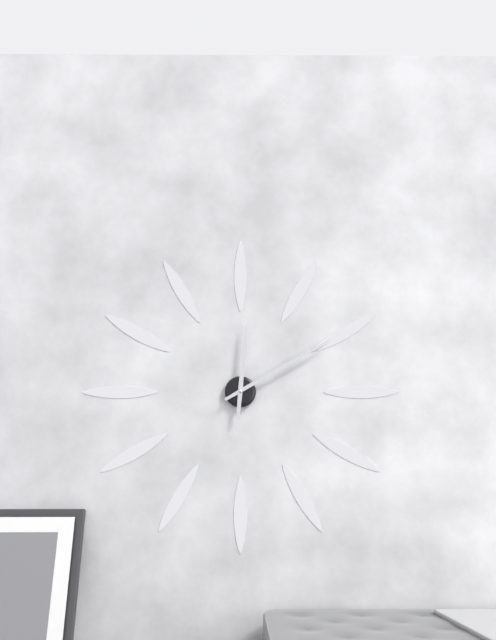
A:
12 h 10 min
